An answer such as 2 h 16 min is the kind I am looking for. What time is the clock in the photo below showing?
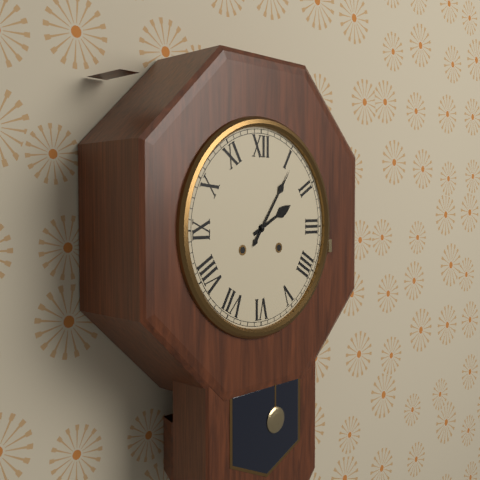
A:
2 h 06 min
